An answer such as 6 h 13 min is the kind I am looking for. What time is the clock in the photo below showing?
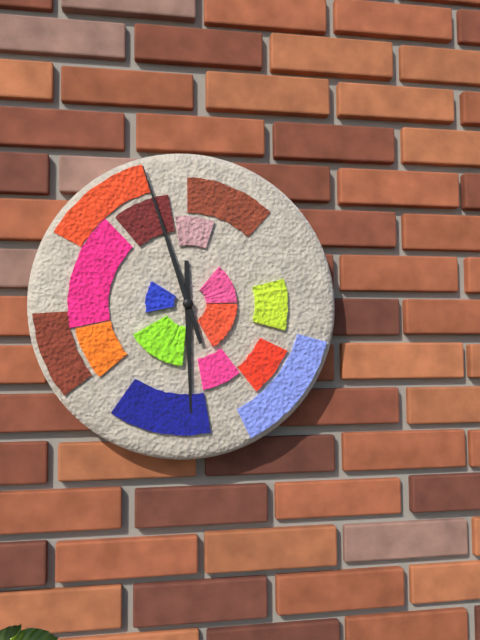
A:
5 h 57 min
